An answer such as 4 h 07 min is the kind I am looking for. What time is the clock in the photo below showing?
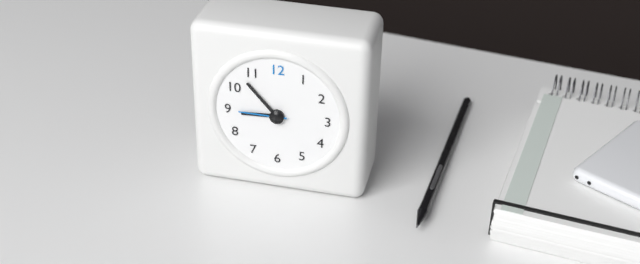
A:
8 h 53 min
